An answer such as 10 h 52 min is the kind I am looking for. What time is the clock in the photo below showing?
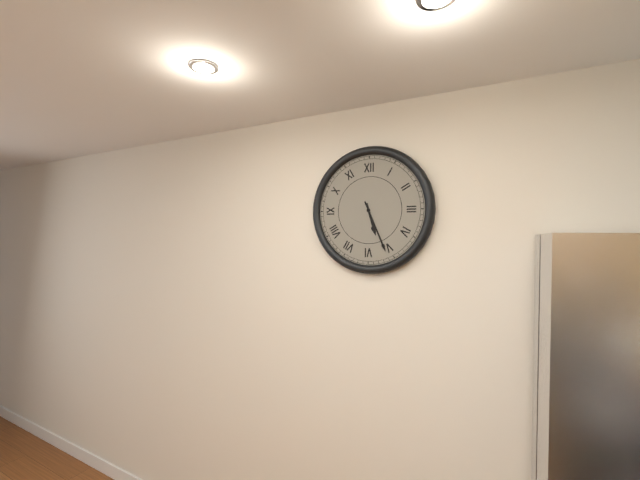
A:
5 h 26 min
